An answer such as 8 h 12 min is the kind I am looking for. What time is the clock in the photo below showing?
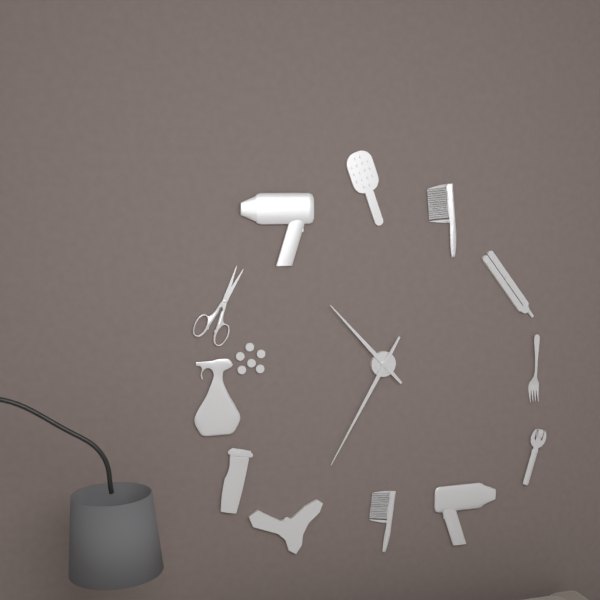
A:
10 h 35 min
